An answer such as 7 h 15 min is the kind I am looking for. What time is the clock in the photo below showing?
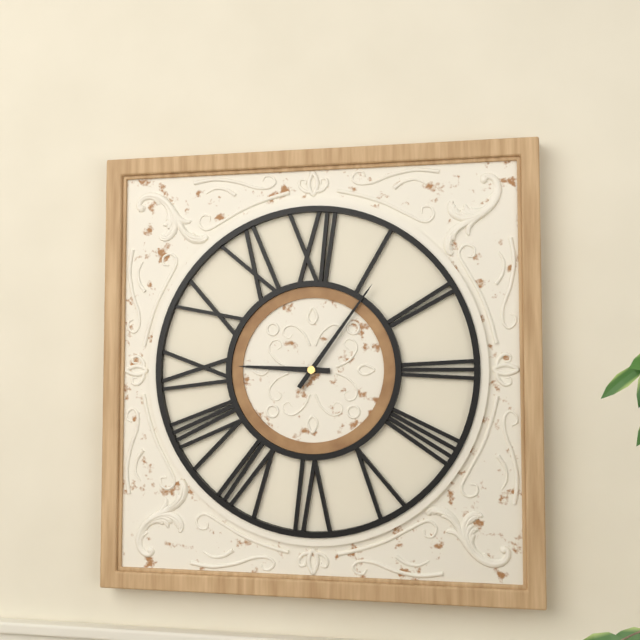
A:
9 h 06 min
